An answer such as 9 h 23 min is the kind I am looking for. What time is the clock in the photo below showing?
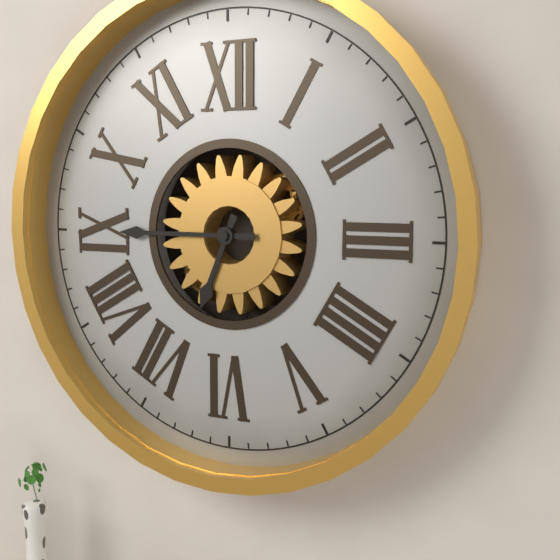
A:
6 h 45 min
